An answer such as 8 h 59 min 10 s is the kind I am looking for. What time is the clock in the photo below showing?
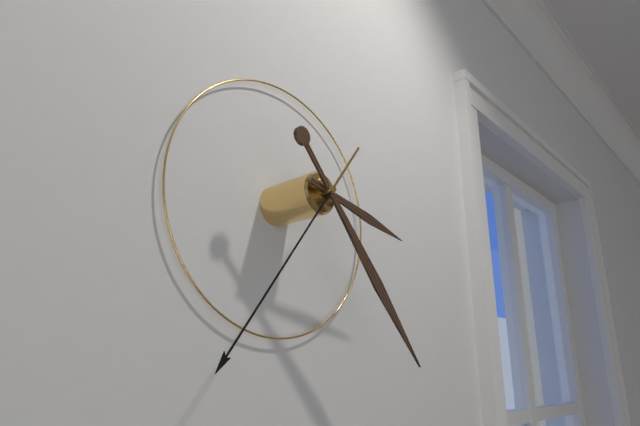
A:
3 h 23 min 36 s
